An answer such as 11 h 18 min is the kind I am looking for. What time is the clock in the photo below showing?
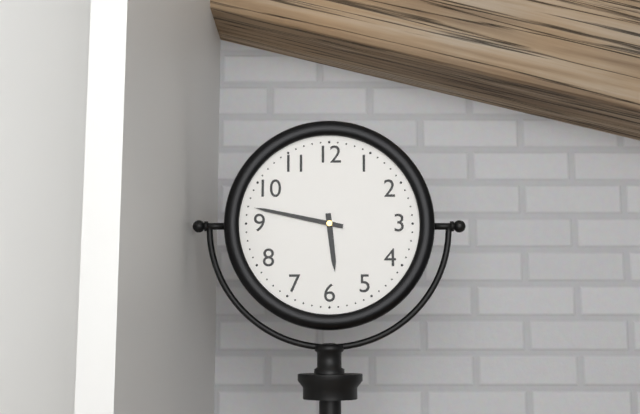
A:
5 h 47 min
